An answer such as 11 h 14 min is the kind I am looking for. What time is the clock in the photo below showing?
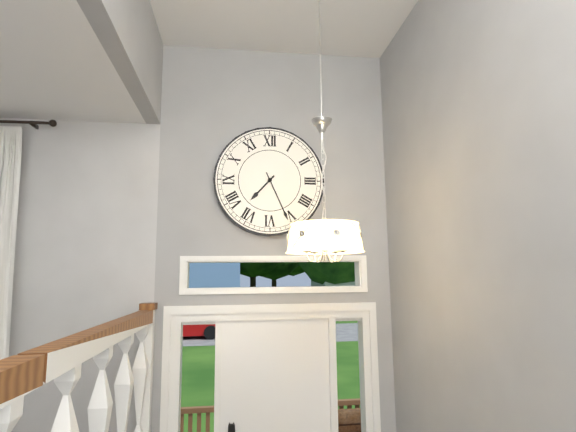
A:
7 h 26 min
